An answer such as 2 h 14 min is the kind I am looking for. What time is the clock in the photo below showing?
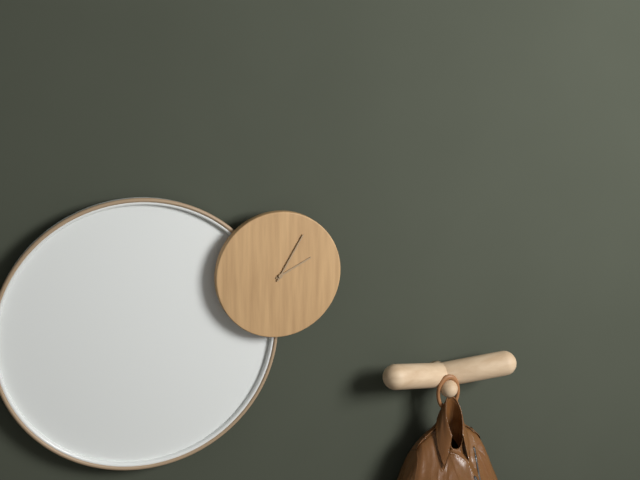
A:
2 h 05 min
